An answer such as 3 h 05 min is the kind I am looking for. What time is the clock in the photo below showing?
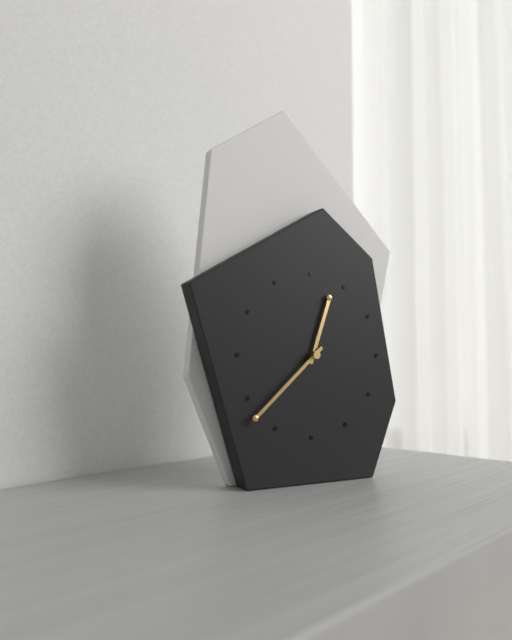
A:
12 h 38 min
